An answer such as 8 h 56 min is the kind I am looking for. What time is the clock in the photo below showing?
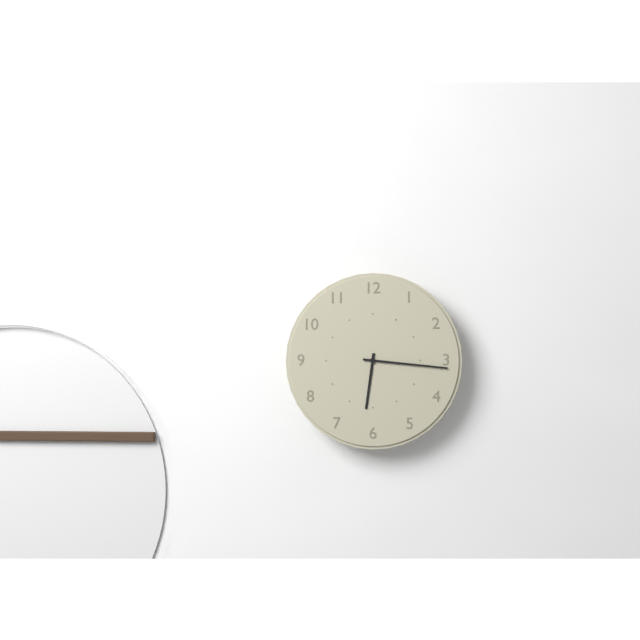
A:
6 h 16 min
